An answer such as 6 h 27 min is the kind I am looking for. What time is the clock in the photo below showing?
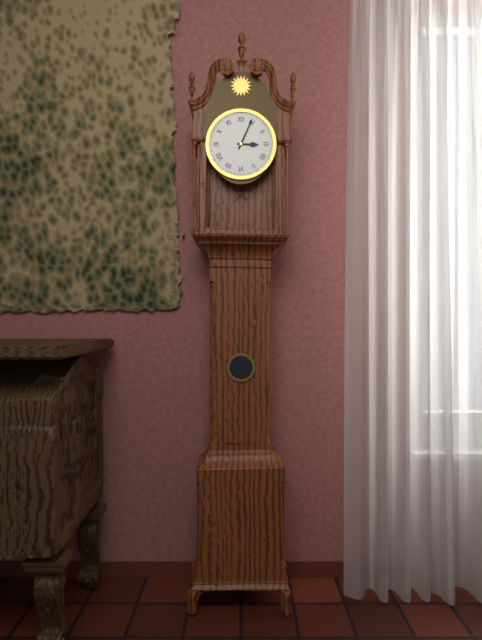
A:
3 h 04 min
